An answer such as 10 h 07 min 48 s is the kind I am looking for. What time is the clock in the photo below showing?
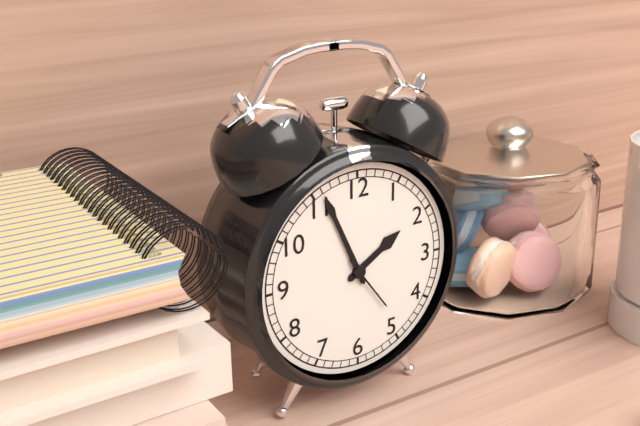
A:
1 h 56 min 24 s
